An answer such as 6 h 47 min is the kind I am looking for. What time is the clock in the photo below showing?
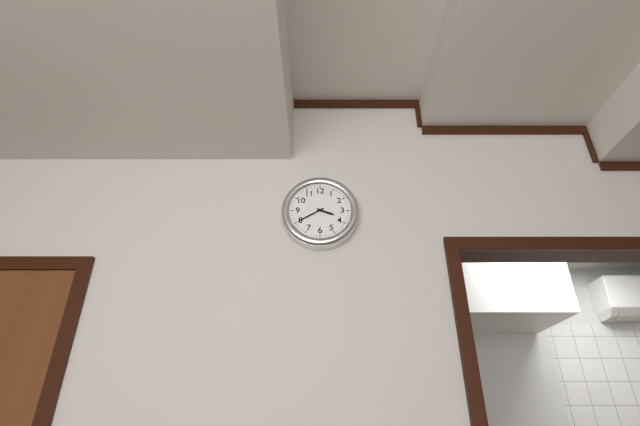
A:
3 h 40 min
